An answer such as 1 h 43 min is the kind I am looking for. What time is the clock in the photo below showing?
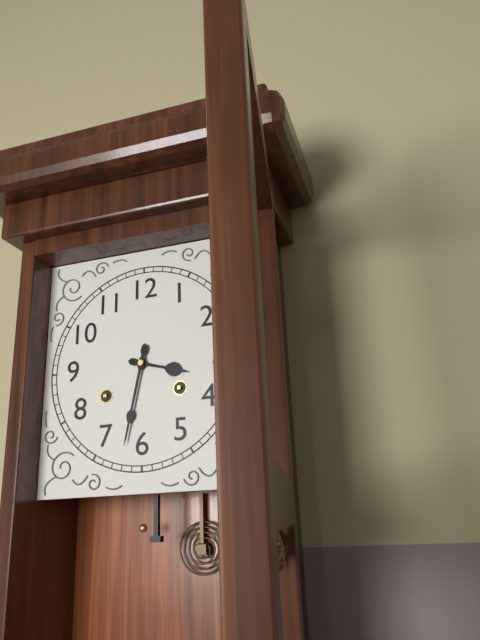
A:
3 h 32 min
